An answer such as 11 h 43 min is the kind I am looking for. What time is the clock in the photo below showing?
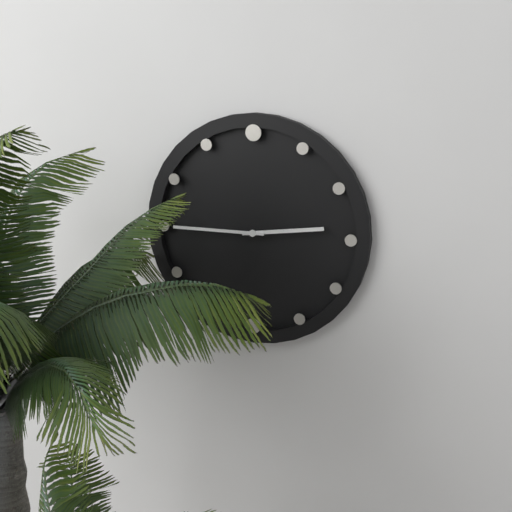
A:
2 h 45 min
